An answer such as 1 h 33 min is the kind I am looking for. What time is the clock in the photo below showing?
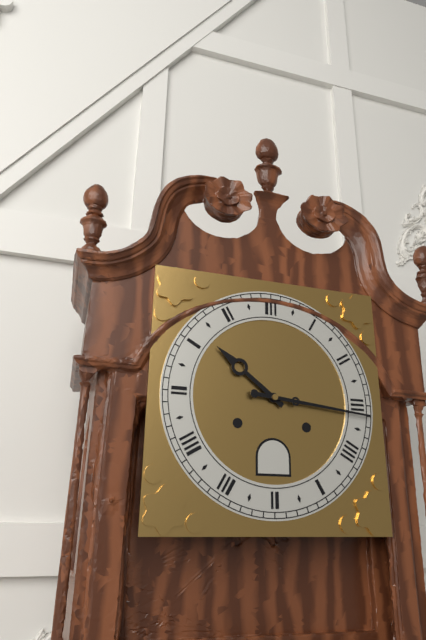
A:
10 h 16 min
